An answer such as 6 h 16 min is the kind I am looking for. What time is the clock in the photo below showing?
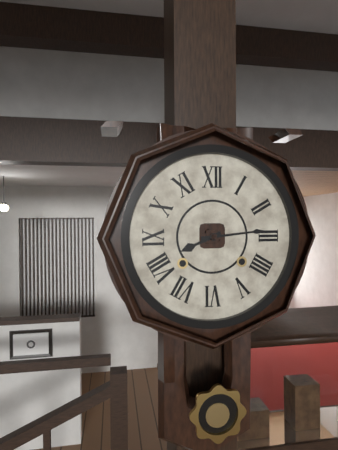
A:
8 h 14 min
